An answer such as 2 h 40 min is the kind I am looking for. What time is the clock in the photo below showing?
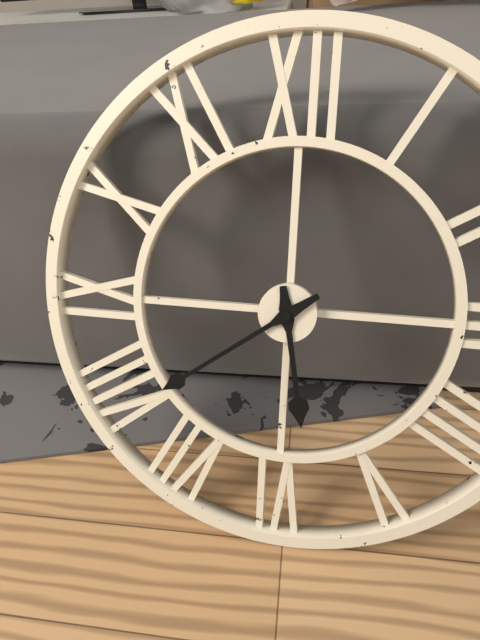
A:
5 h 39 min
